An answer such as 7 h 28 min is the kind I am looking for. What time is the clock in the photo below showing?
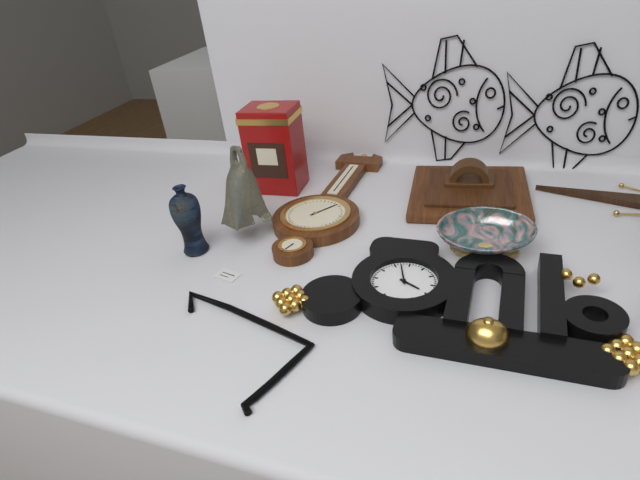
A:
3 h 57 min
